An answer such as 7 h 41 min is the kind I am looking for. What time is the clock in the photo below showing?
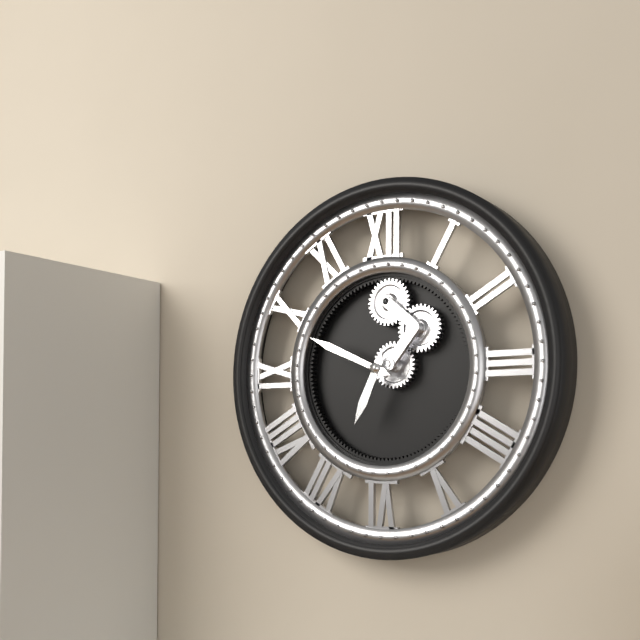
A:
6 h 49 min
